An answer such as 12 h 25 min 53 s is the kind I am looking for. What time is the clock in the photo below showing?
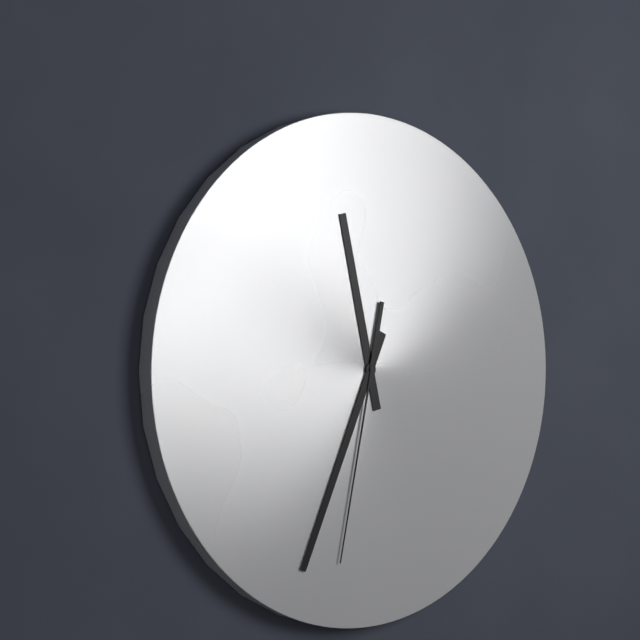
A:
11 h 34 min 32 s
